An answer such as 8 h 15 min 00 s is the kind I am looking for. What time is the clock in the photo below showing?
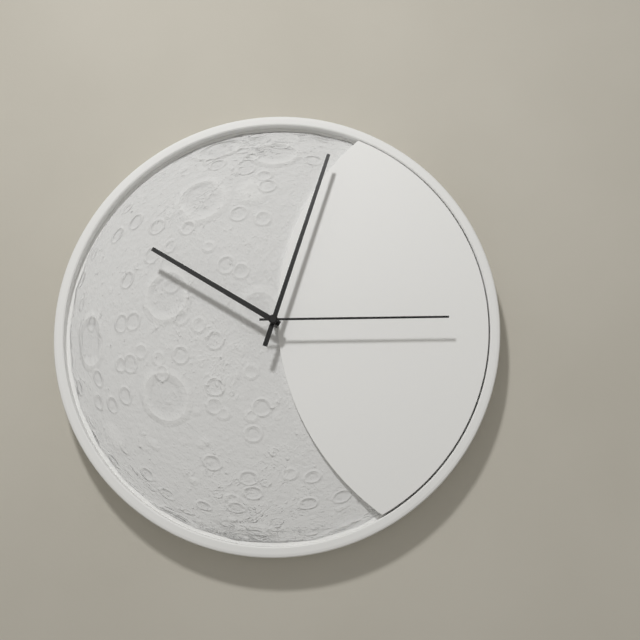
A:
10 h 03 min 15 s
